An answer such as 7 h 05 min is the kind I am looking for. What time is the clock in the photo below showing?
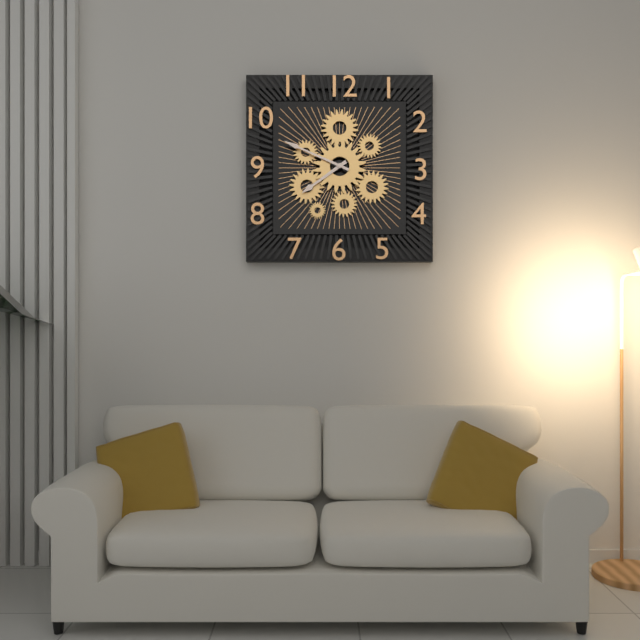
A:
7 h 49 min
